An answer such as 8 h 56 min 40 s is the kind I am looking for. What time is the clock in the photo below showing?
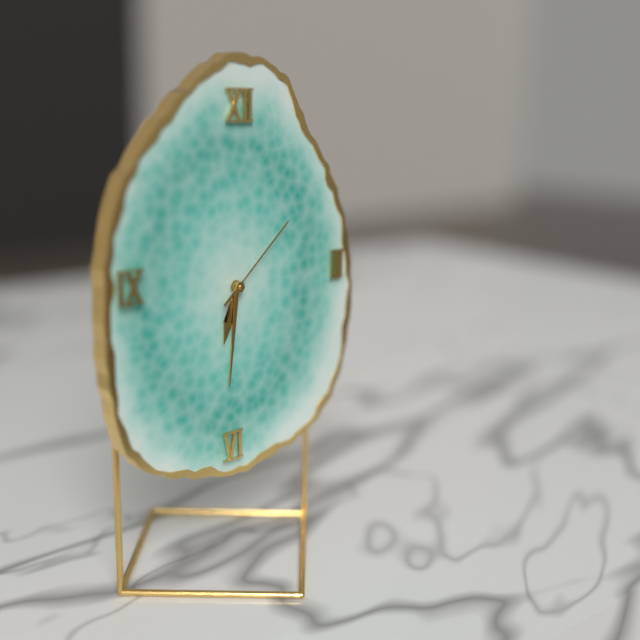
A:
6 h 31 min 08 s
